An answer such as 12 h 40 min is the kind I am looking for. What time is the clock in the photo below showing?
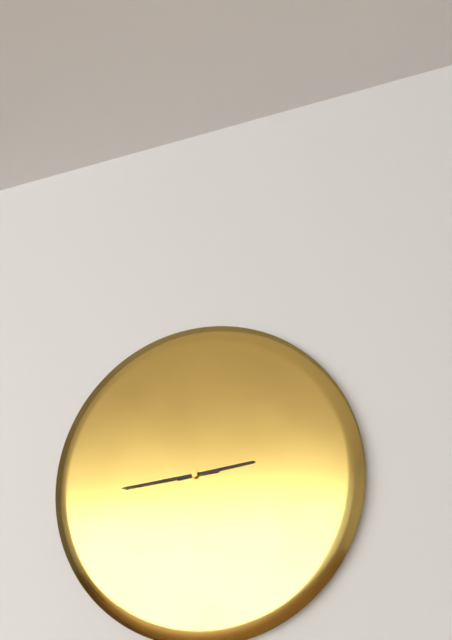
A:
2 h 44 min
